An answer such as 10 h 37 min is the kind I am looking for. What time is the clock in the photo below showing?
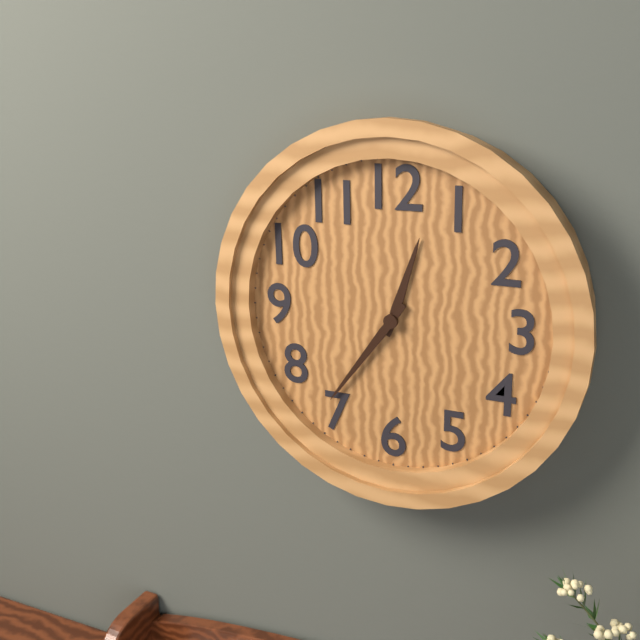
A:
12 h 36 min
